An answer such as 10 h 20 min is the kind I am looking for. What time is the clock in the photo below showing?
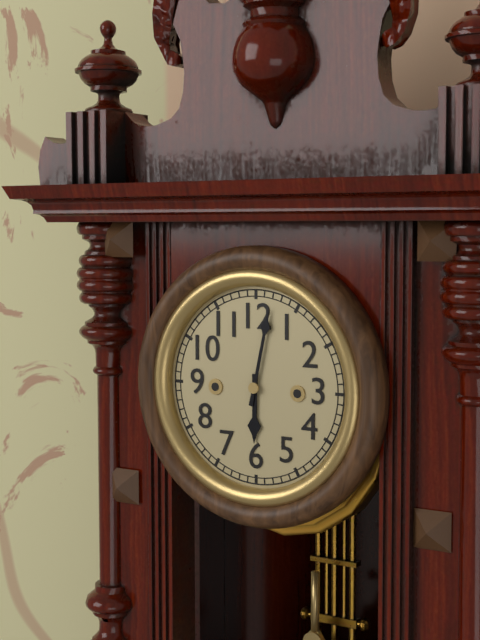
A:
6 h 02 min
